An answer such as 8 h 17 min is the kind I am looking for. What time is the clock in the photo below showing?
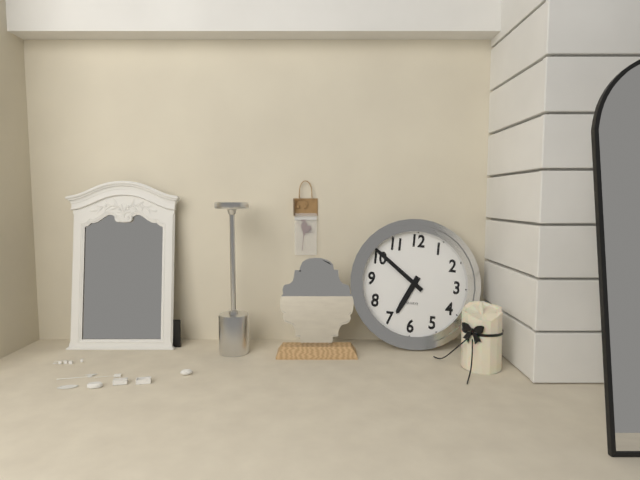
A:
6 h 51 min
